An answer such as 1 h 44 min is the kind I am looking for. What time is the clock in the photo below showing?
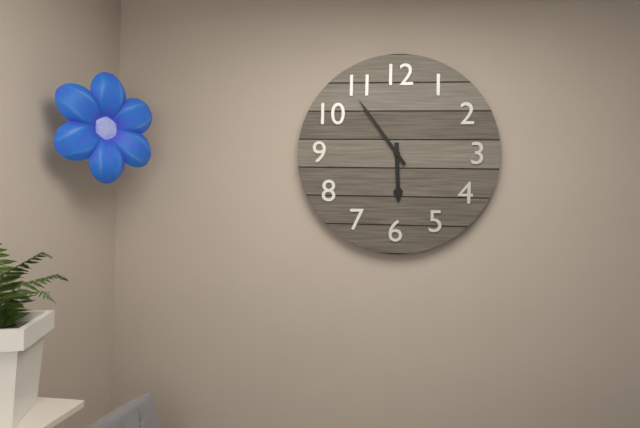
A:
5 h 54 min
